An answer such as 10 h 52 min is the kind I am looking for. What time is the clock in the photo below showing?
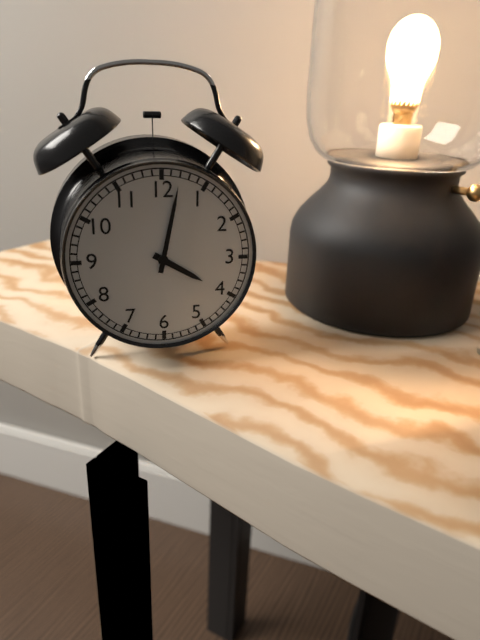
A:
4 h 02 min
